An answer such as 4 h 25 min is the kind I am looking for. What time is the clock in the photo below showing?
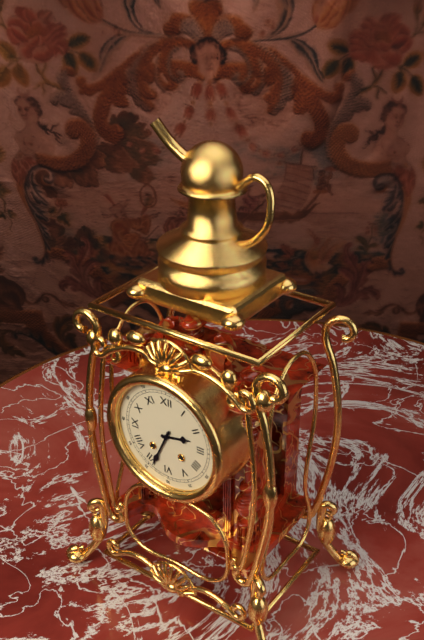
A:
2 h 34 min
